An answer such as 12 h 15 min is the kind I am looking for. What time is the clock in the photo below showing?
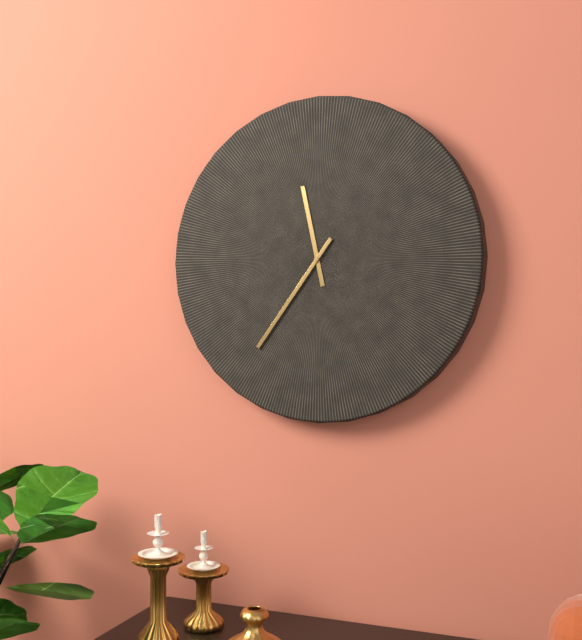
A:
11 h 36 min
